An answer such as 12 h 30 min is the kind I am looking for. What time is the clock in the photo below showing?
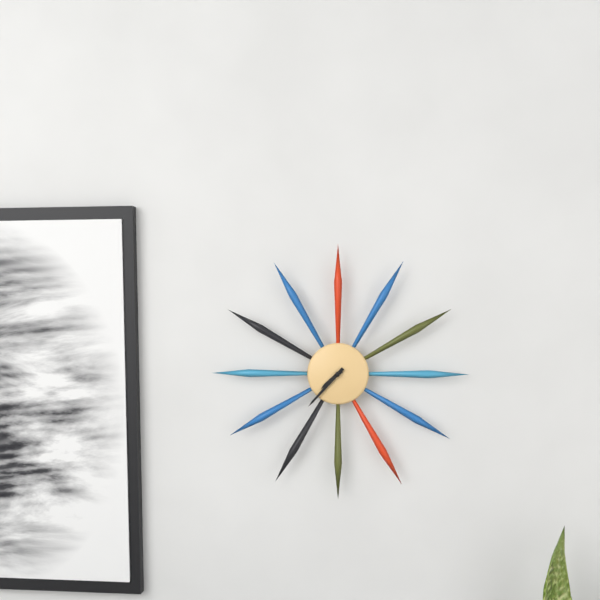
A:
7 h 37 min
